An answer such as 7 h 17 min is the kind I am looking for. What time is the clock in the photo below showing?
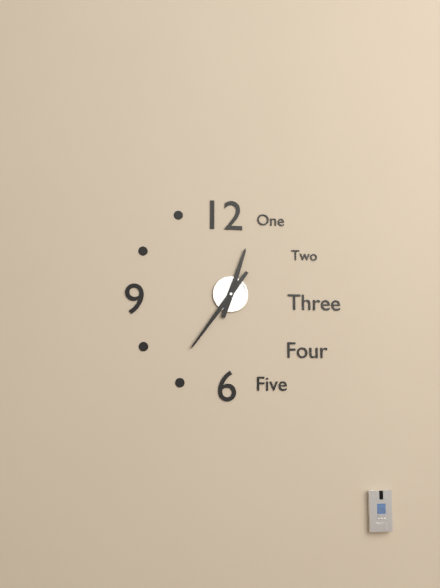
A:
12 h 36 min
